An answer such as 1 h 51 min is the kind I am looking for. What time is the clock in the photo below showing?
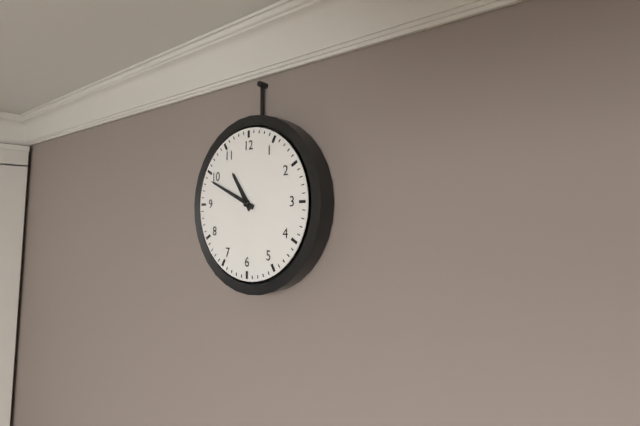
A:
10 h 49 min
